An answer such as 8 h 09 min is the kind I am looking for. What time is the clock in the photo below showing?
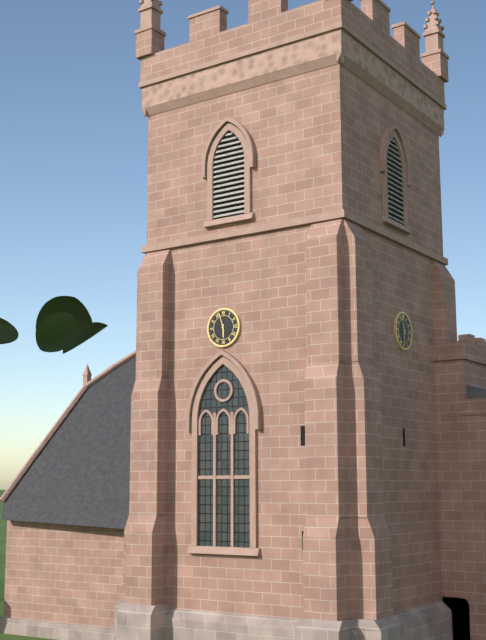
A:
5 h 57 min
